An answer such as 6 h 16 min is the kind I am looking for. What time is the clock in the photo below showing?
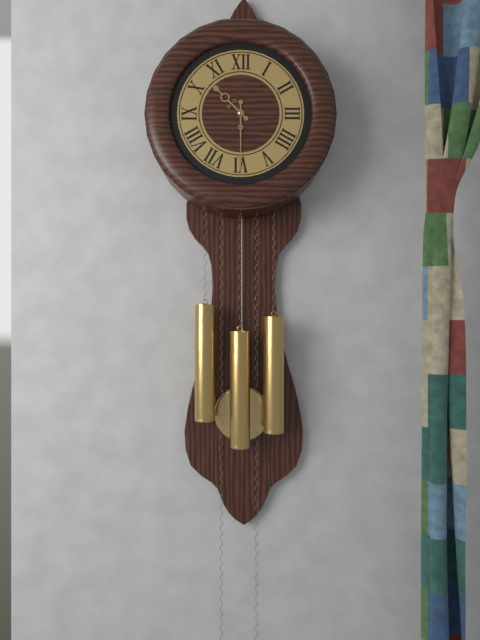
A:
10 h 30 min
